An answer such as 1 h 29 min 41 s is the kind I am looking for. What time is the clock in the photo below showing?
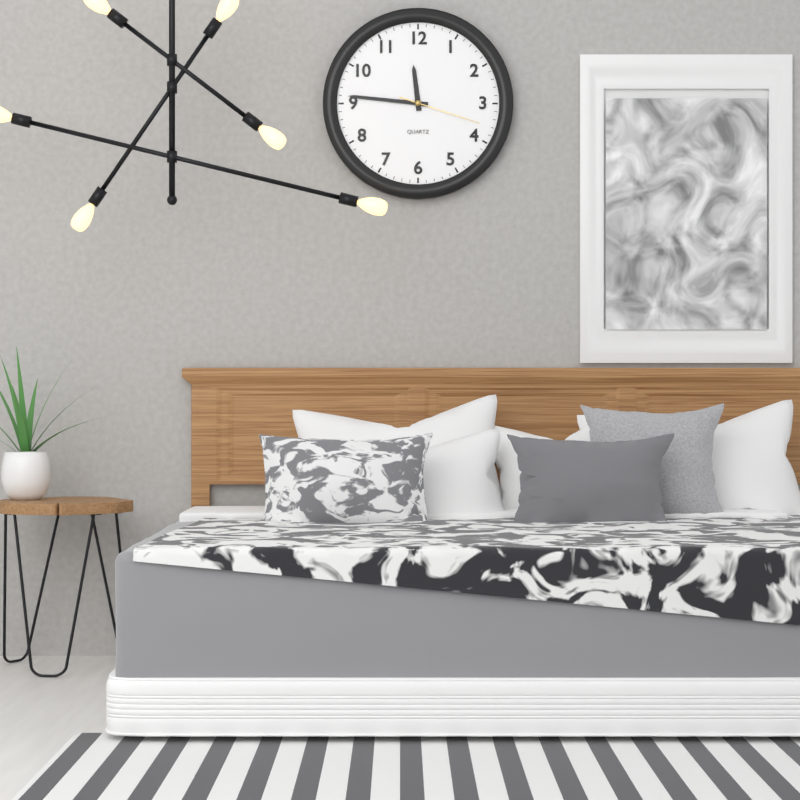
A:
11 h 46 min 18 s
